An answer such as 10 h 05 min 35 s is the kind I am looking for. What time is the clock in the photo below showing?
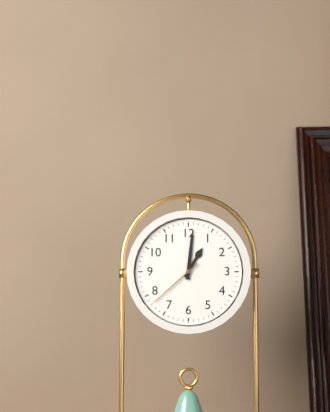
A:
1 h 01 min 38 s
